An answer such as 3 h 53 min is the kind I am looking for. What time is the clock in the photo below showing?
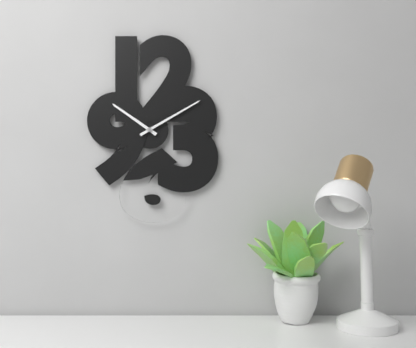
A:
10 h 10 min
